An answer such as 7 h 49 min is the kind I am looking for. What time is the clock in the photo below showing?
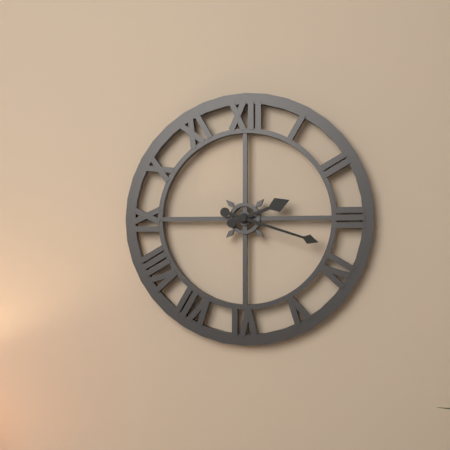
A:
2 h 18 min
